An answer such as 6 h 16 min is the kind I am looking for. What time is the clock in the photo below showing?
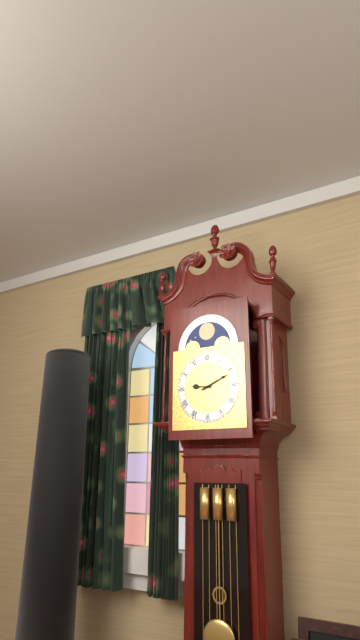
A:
9 h 11 min
